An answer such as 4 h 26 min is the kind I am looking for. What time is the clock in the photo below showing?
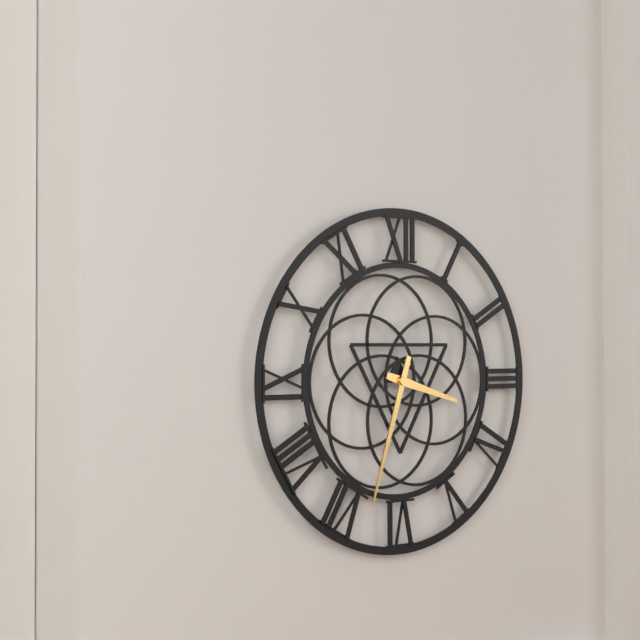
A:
3 h 33 min
